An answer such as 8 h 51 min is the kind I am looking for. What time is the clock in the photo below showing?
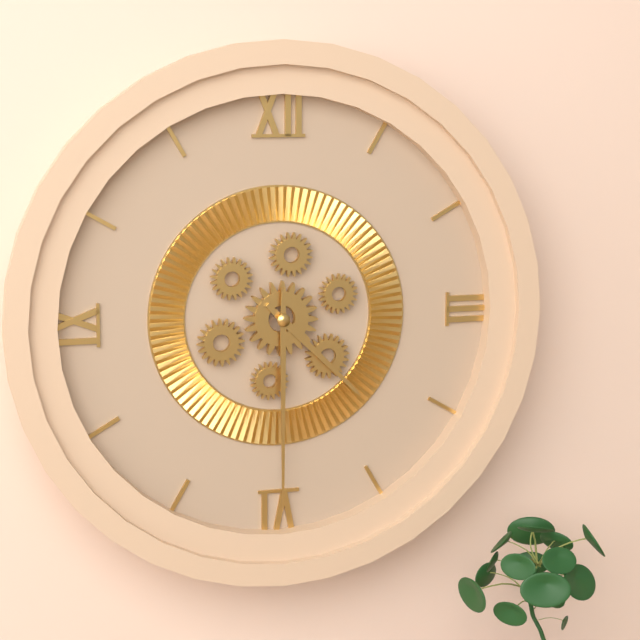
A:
4 h 30 min
